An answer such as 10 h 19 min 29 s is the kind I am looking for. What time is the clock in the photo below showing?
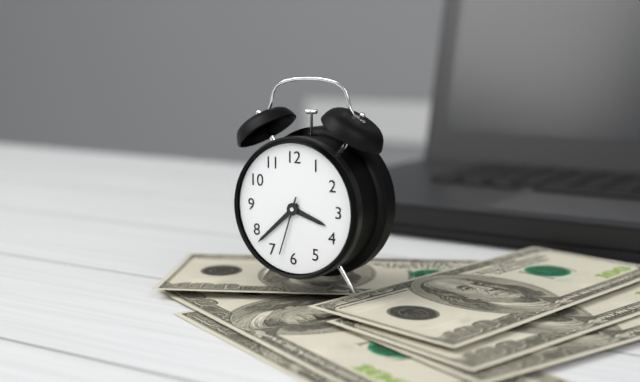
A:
3 h 38 min 33 s
